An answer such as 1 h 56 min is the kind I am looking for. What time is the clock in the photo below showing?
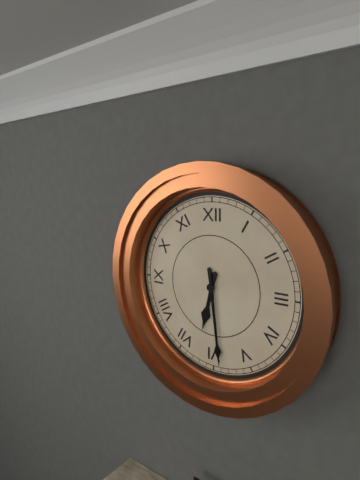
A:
6 h 29 min
